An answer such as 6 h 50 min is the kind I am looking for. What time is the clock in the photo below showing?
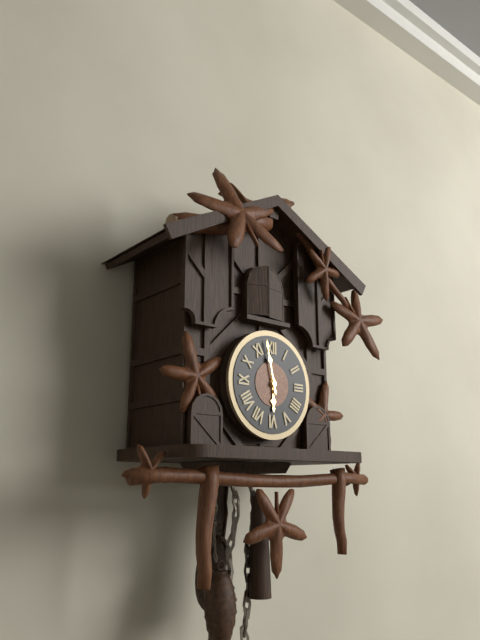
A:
5 h 58 min
